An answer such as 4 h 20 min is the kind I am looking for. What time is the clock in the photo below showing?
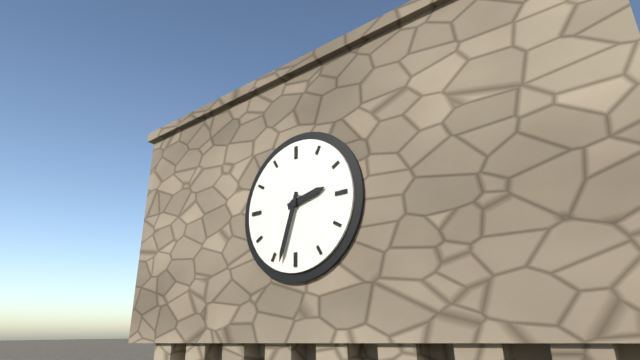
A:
2 h 33 min
